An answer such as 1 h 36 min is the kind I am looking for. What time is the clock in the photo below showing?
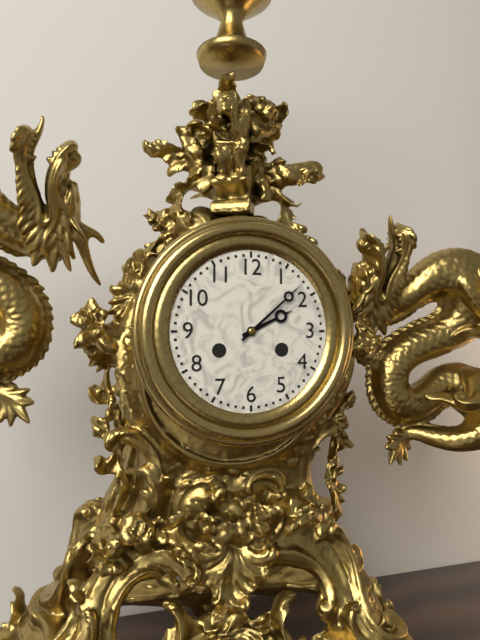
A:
2 h 08 min
